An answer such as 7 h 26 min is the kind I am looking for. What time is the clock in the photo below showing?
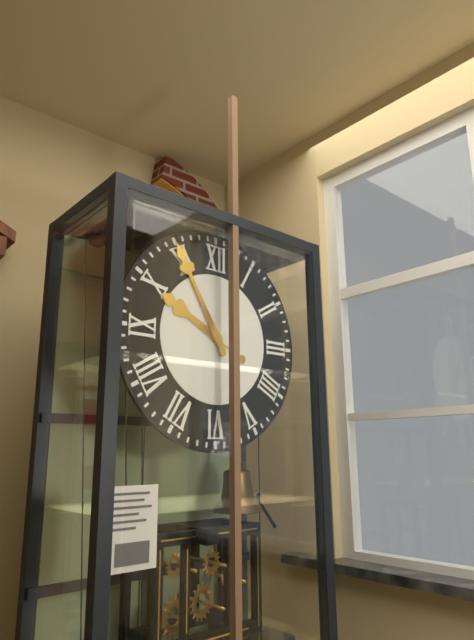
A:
9 h 55 min
